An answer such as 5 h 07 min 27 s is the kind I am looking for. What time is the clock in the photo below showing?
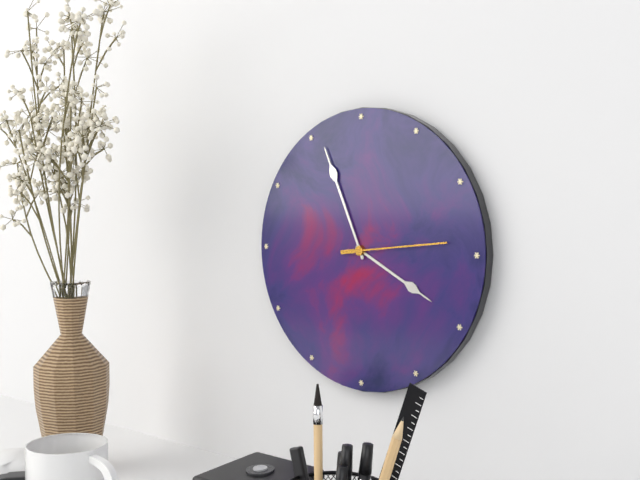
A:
3 h 56 min 14 s
